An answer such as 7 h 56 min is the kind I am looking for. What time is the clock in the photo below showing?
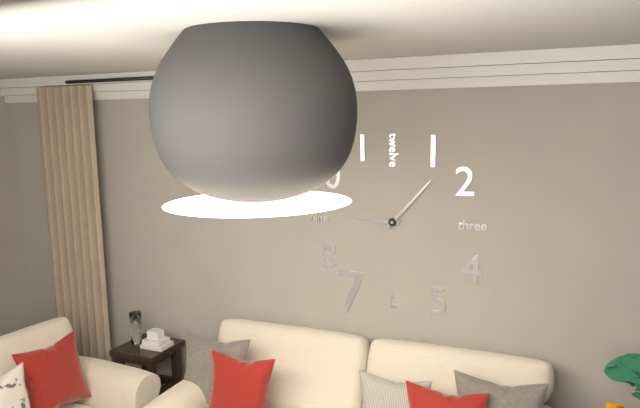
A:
9 h 07 min
